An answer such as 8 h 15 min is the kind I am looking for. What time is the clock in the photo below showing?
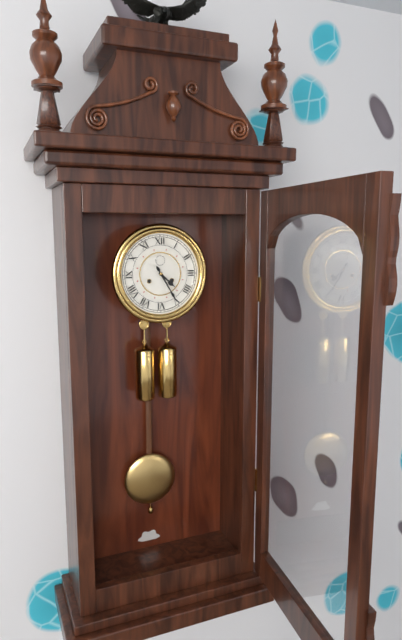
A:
4 h 25 min
